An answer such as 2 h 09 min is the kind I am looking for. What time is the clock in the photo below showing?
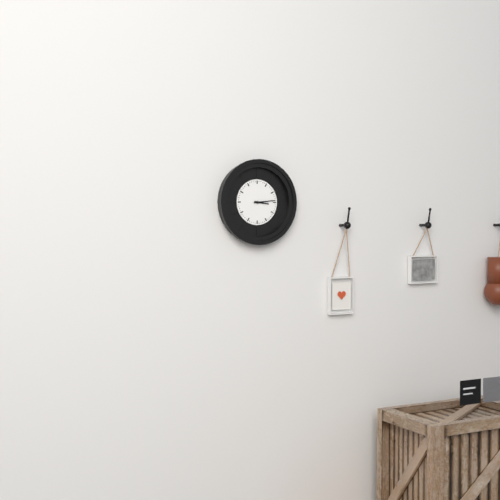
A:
3 h 14 min
